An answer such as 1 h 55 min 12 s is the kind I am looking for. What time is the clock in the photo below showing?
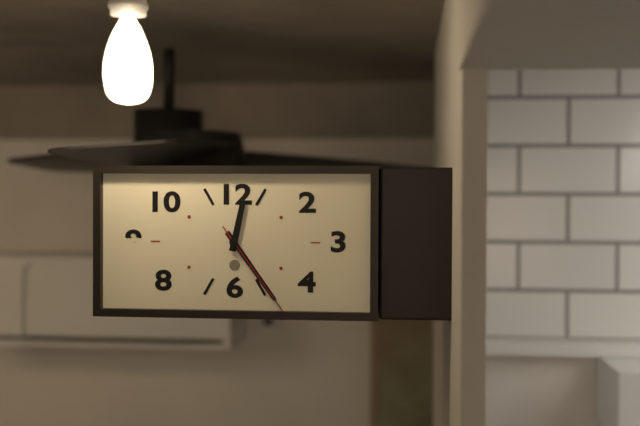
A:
12 h 24 min 24 s
